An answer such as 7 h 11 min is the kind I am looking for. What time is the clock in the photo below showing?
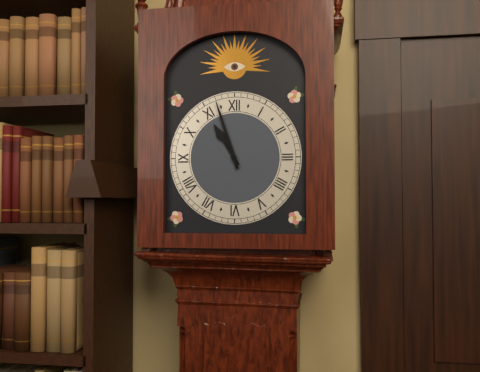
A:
10 h 57 min
